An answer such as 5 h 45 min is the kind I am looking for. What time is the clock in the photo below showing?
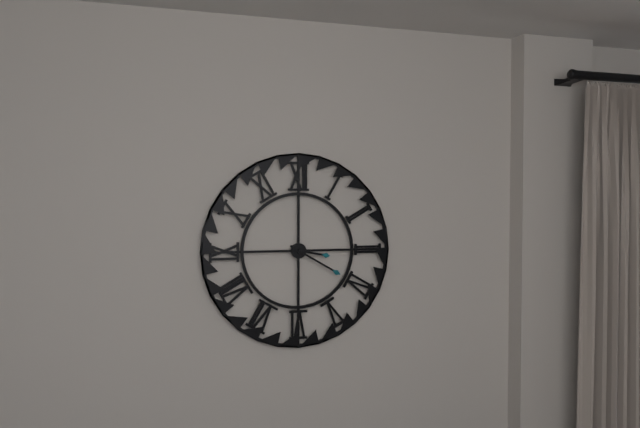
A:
3 h 20 min
